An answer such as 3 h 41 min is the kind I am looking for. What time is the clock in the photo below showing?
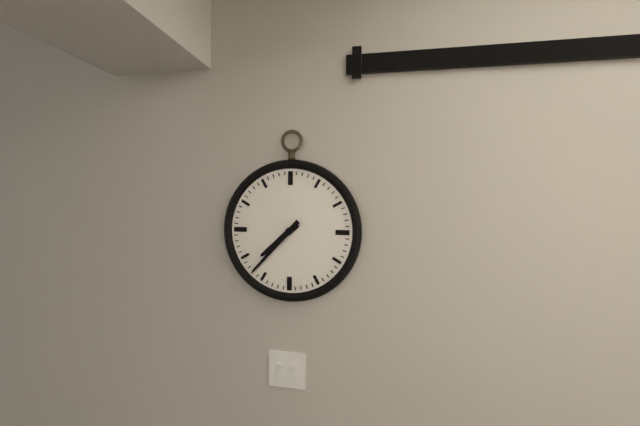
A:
7 h 37 min
